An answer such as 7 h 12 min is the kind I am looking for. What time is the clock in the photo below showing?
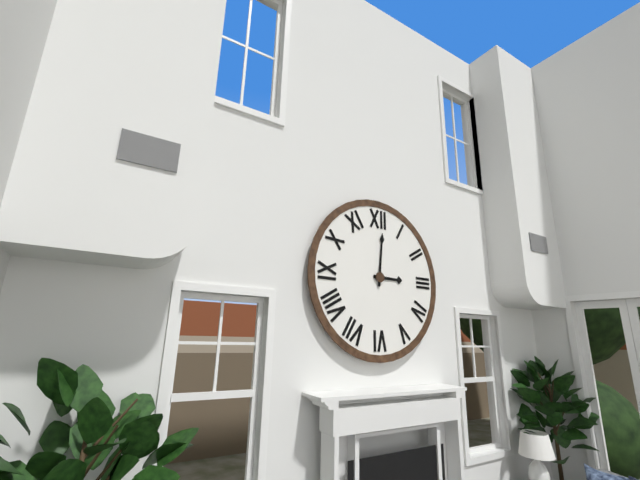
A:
3 h 01 min
